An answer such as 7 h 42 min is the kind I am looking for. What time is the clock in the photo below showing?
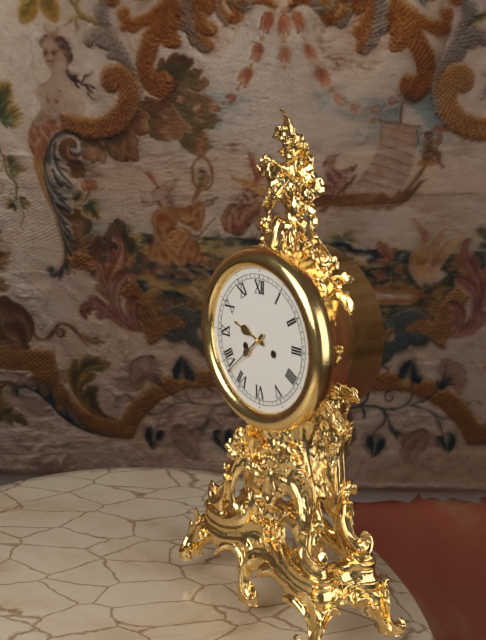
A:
9 h 38 min
